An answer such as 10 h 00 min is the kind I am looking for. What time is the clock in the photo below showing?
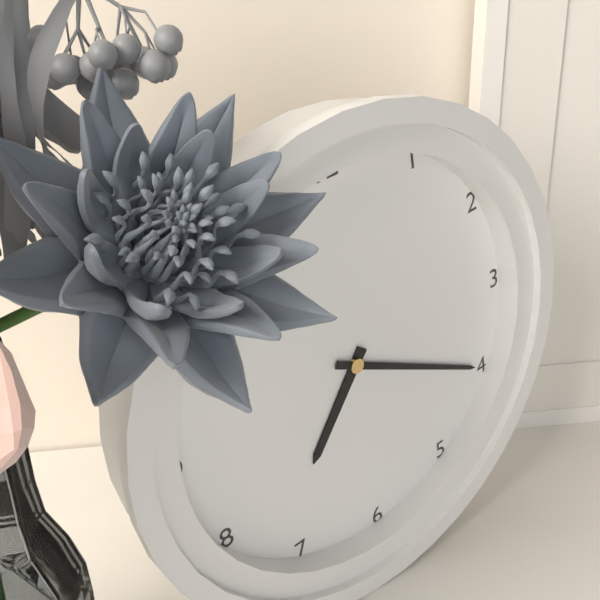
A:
7 h 20 min
